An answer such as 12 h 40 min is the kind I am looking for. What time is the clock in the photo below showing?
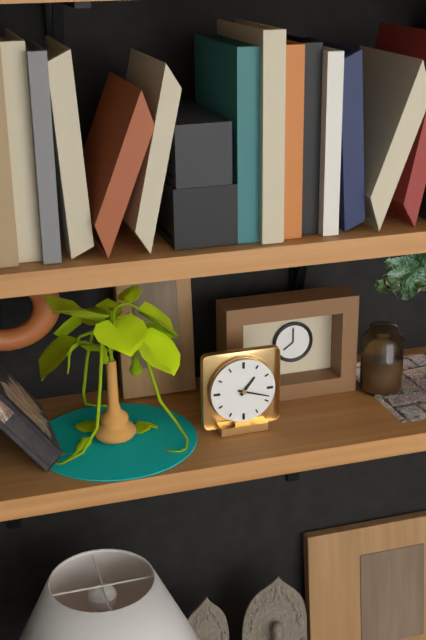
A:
1 h 18 min
